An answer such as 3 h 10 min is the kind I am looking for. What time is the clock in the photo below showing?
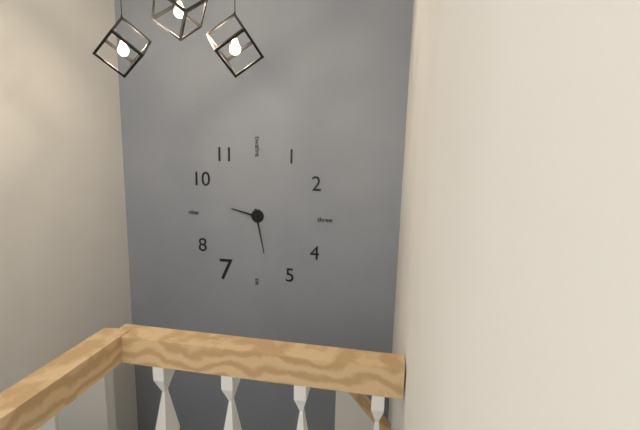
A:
9 h 28 min
